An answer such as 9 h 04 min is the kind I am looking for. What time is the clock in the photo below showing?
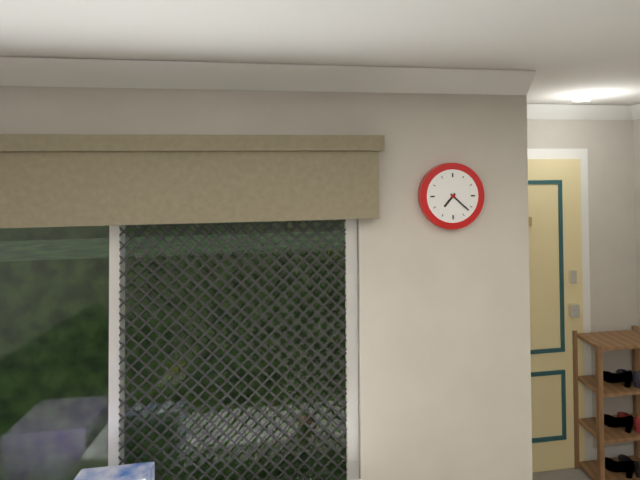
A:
7 h 22 min
